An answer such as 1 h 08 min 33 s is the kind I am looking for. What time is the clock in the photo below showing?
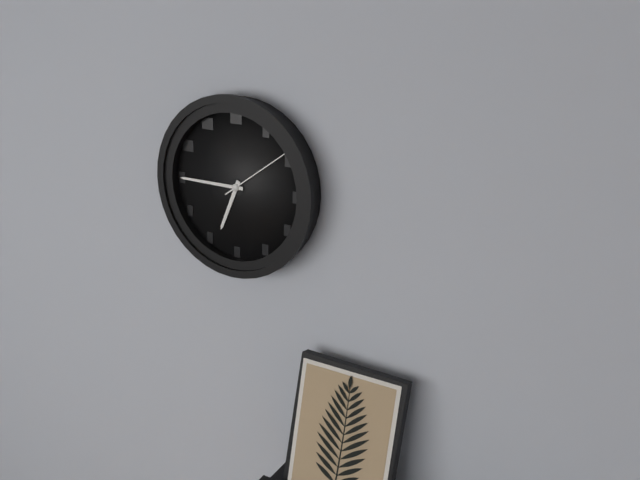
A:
6 h 45 min 09 s
